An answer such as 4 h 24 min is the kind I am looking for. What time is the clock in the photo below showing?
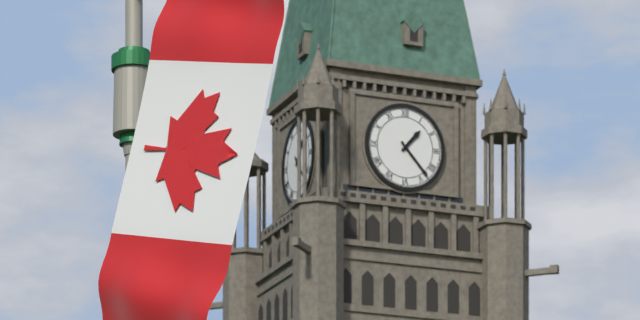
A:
1 h 23 min
